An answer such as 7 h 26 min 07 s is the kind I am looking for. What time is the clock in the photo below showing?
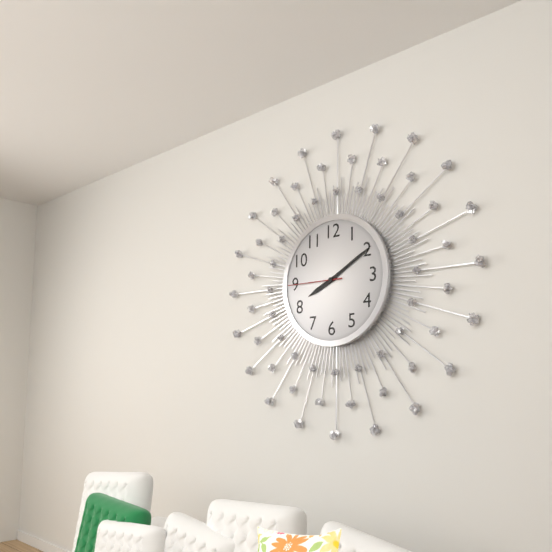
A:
8 h 10 min 45 s
